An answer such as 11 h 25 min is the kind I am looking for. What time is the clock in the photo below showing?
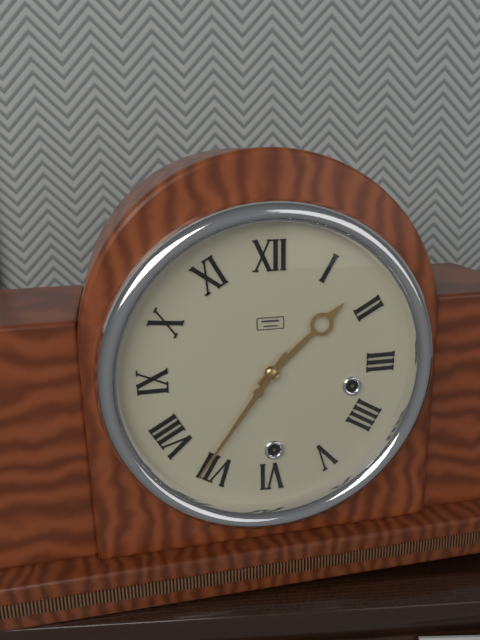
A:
1 h 36 min
